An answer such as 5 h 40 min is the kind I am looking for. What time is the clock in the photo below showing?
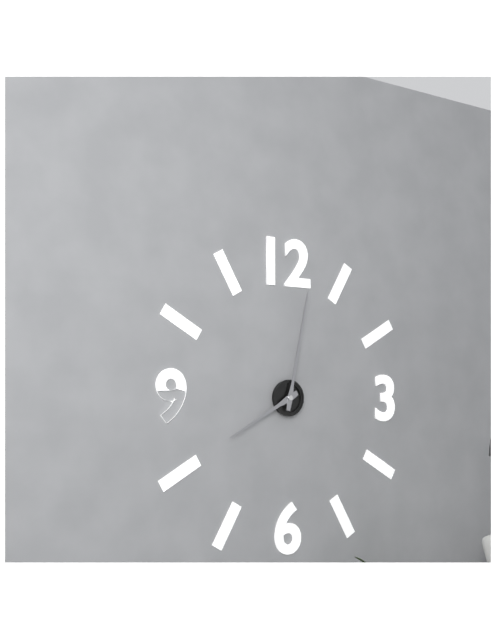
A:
8 h 02 min
